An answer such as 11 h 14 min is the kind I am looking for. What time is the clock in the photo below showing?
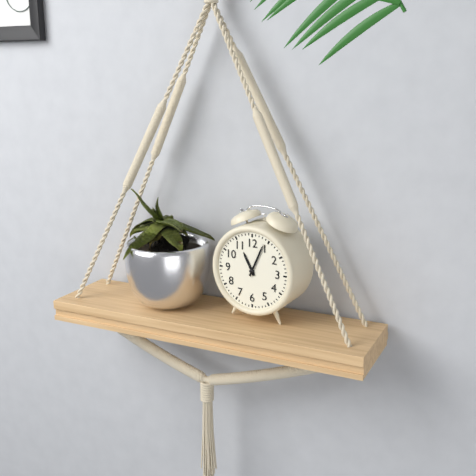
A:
11 h 04 min
